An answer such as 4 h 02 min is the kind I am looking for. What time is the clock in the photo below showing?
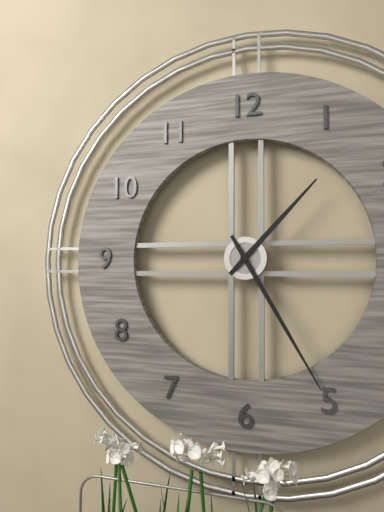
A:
1 h 25 min
